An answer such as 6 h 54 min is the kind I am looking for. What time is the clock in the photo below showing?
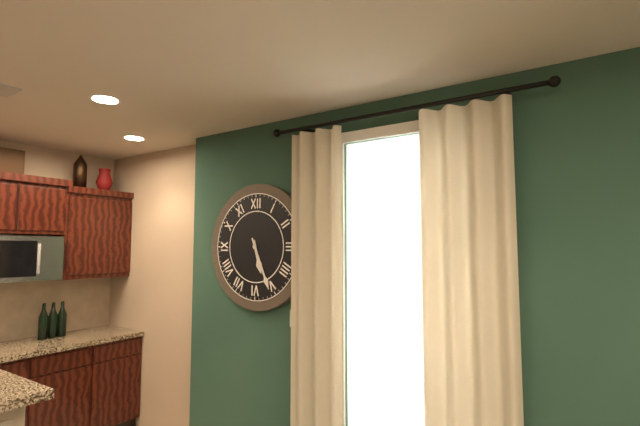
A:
5 h 26 min
